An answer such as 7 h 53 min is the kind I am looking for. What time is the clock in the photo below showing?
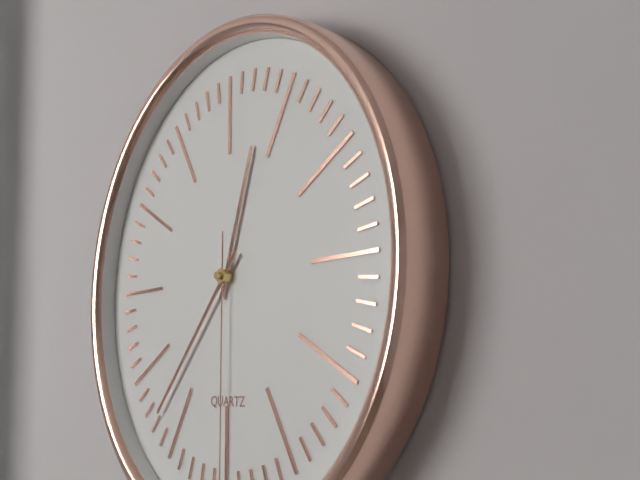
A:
12 h 37 min
